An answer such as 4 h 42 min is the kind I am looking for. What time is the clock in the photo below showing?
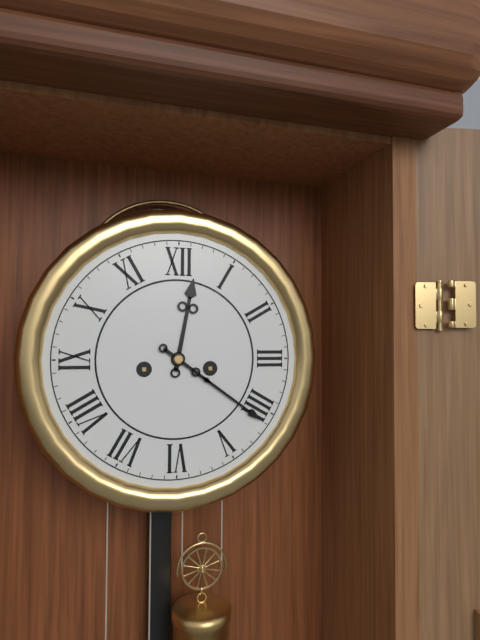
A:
12 h 21 min
